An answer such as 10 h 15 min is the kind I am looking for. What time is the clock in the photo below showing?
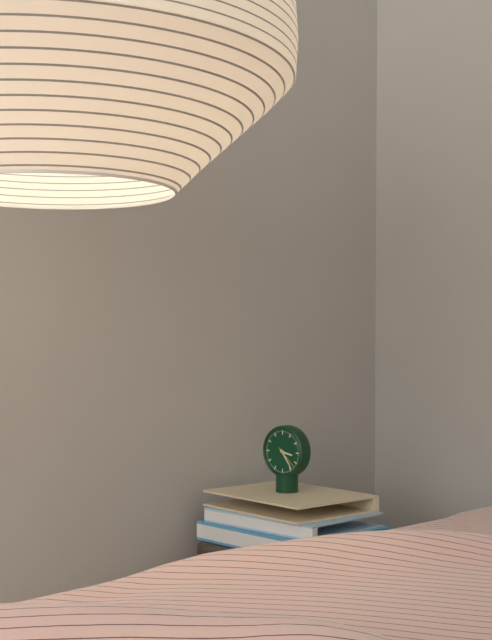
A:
3 h 24 min
